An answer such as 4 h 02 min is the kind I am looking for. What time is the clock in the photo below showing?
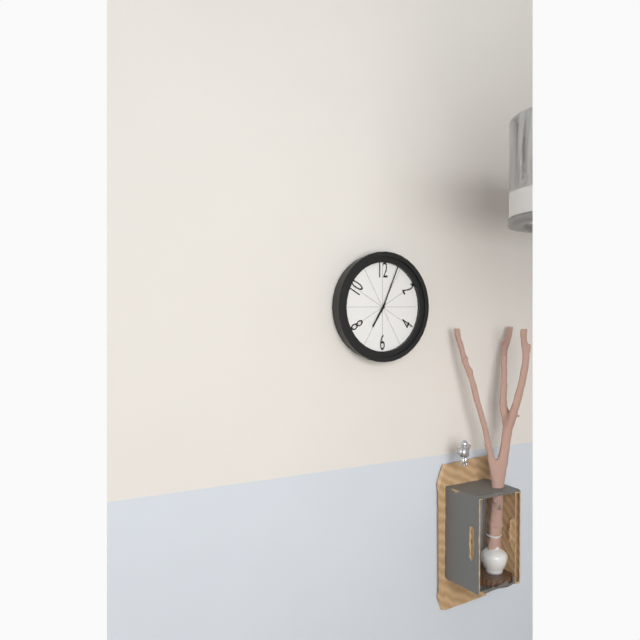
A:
7 h 04 min
